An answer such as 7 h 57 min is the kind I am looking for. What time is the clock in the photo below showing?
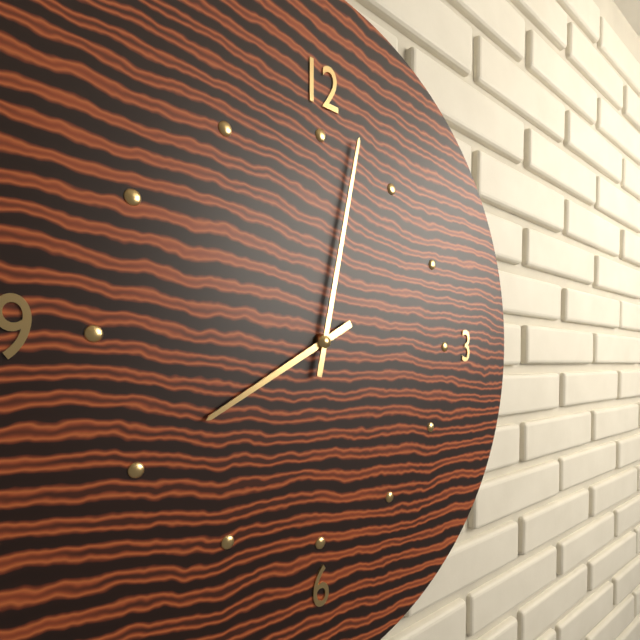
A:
8 h 02 min
